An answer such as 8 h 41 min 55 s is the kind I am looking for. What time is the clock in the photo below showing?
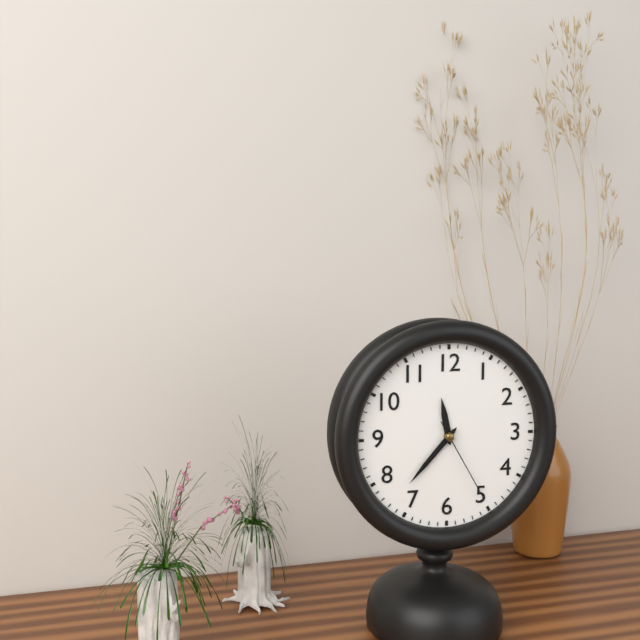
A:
11 h 37 min 25 s
